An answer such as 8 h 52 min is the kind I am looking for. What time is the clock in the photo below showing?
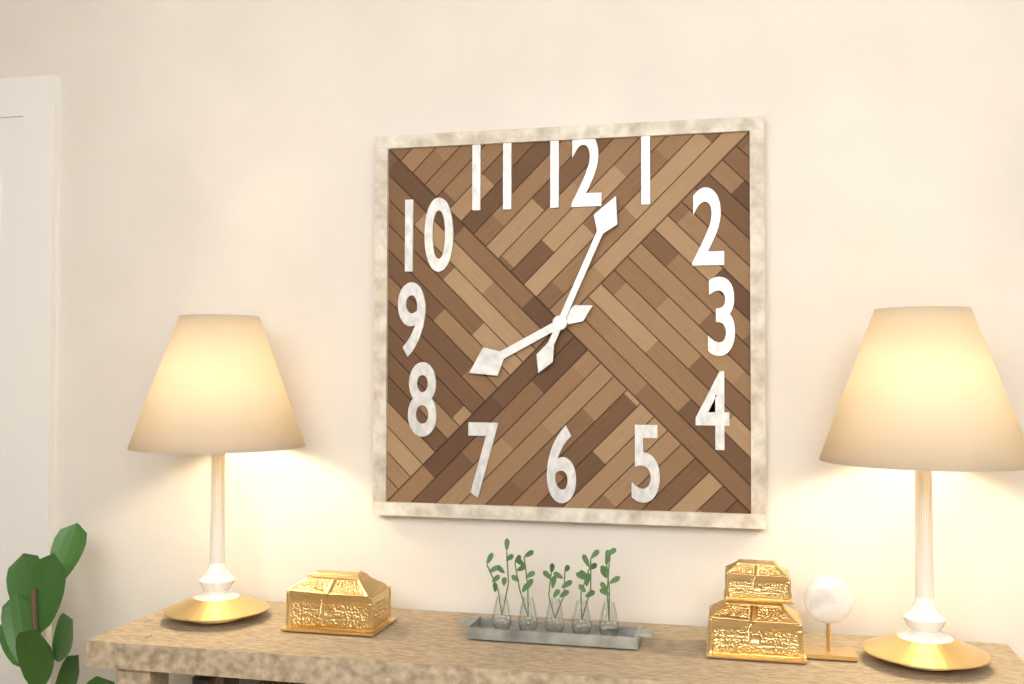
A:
8 h 04 min
